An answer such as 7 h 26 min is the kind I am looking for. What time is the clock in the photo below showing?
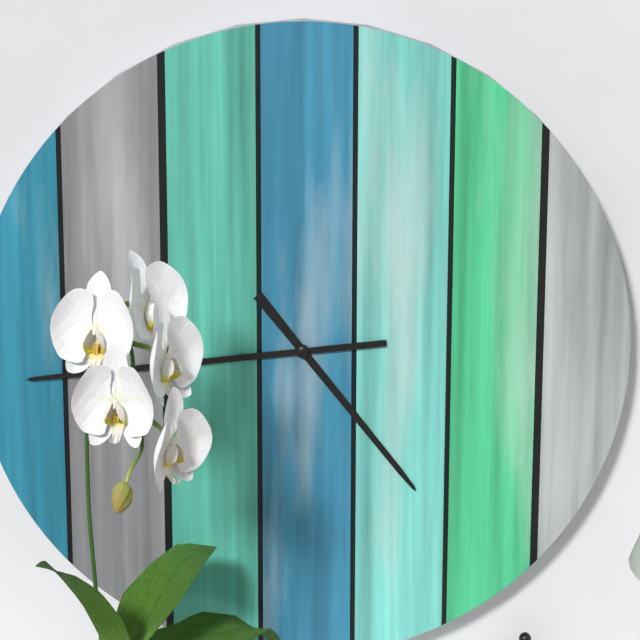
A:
4 h 44 min
